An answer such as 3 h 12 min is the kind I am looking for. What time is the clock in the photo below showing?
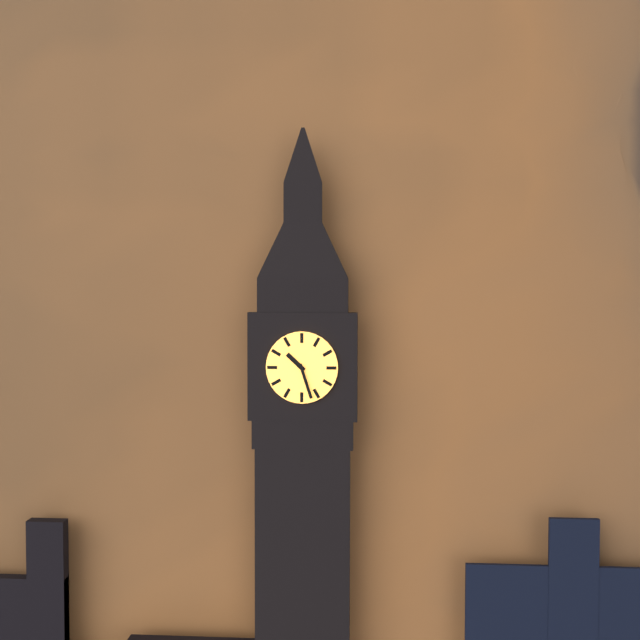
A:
10 h 27 min
